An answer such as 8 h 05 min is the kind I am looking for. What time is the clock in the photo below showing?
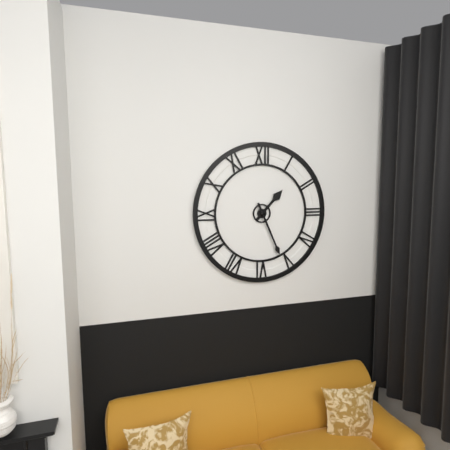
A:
1 h 26 min
